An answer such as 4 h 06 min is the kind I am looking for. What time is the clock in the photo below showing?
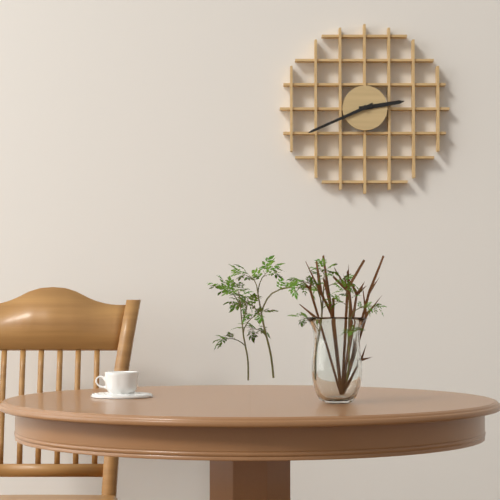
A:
2 h 41 min
